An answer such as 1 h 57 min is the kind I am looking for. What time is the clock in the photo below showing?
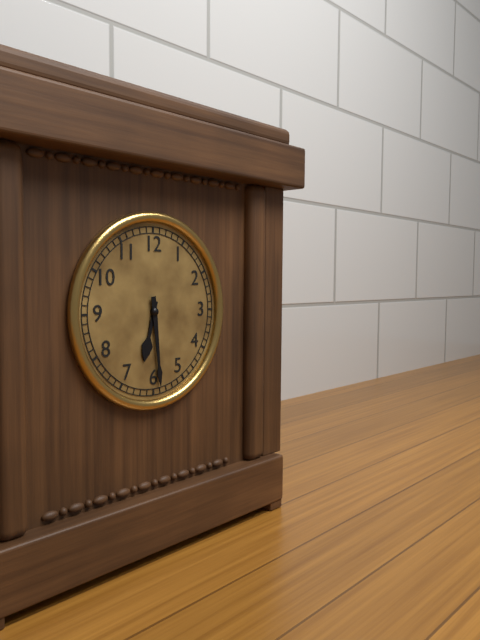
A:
6 h 29 min
